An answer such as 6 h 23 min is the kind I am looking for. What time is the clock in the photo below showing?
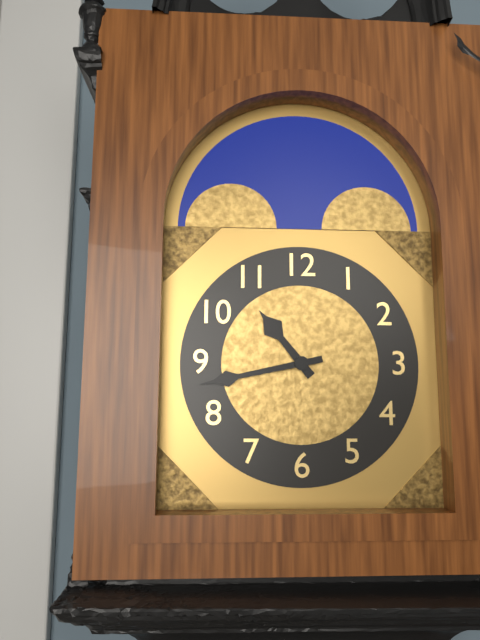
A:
10 h 43 min
